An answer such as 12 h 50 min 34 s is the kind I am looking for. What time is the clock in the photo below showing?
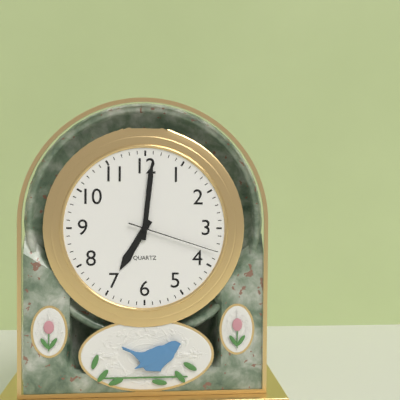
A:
7 h 01 min 18 s
